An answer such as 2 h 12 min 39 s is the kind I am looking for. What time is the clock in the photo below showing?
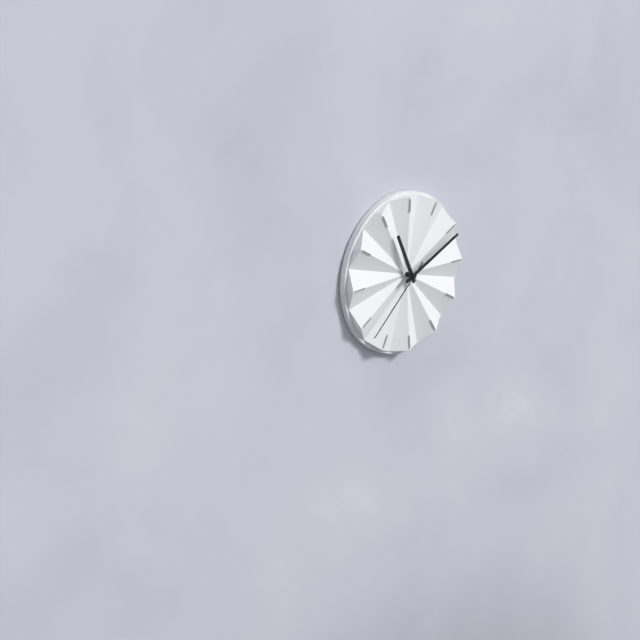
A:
11 h 11 min 38 s
